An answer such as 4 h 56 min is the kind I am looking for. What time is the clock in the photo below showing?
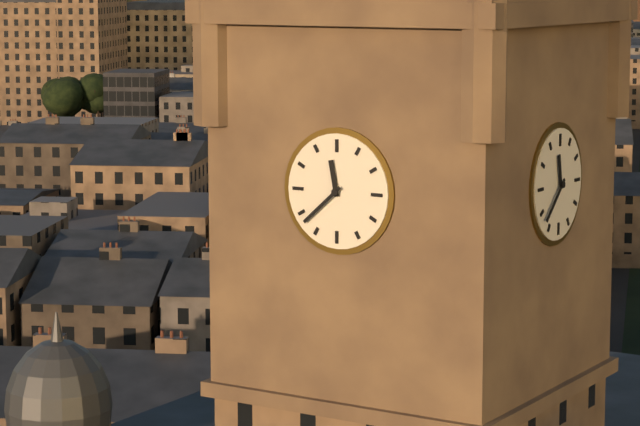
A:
11 h 38 min
